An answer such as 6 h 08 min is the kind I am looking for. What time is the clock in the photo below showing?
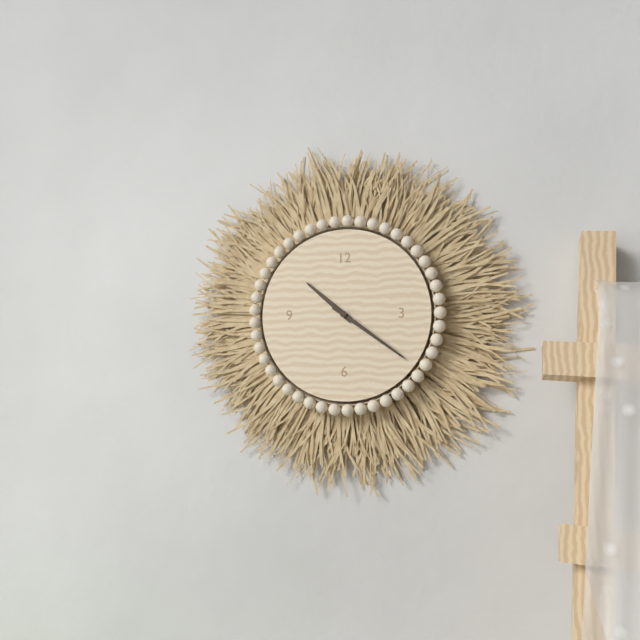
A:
10 h 21 min
